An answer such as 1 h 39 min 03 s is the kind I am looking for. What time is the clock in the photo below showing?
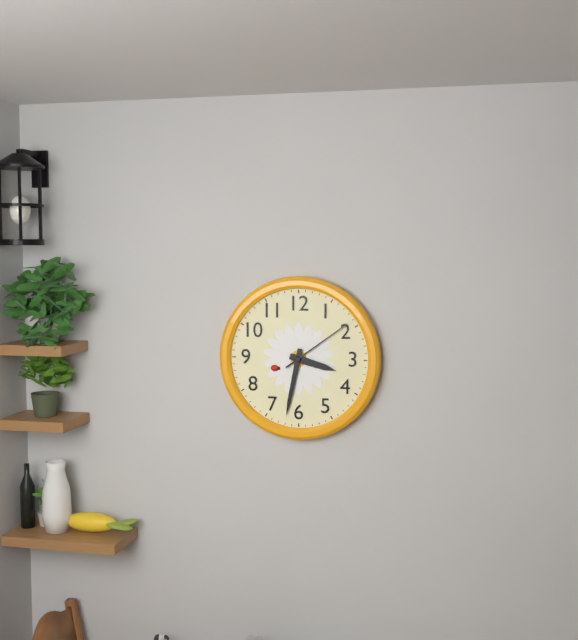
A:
3 h 32 min 09 s
